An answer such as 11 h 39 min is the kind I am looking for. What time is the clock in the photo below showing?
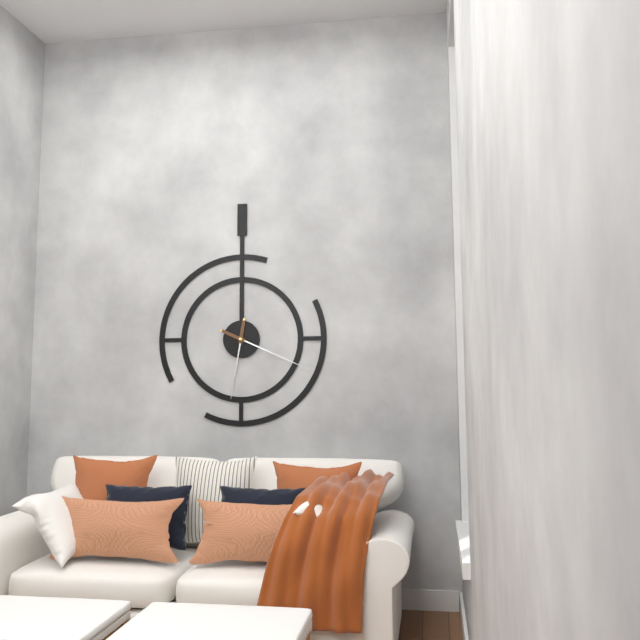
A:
6 h 19 min
